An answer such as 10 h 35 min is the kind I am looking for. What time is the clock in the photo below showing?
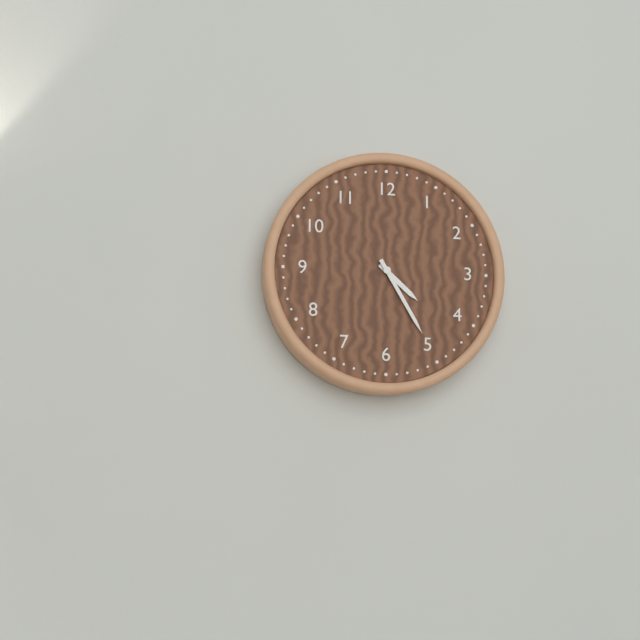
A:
4 h 25 min
